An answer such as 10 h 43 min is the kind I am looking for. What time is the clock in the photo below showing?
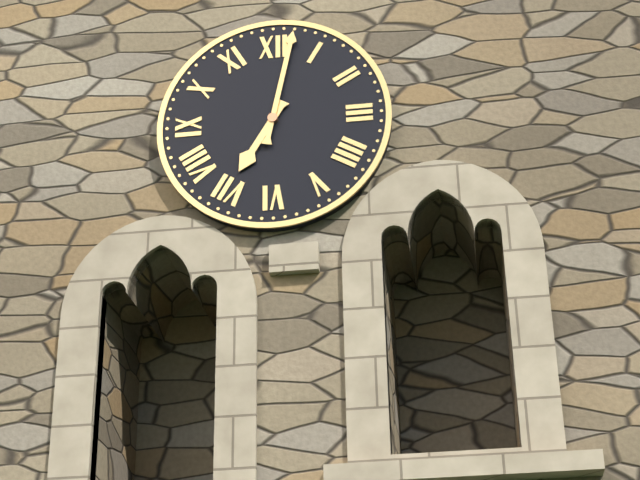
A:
7 h 02 min
